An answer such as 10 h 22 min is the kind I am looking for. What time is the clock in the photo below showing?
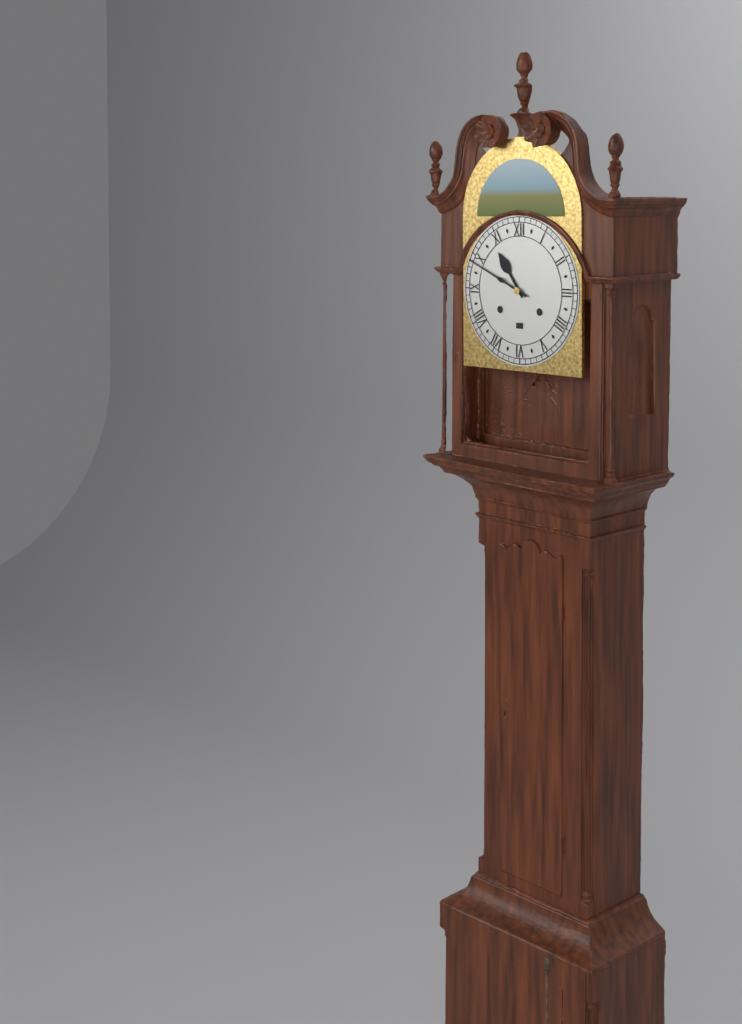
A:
10 h 49 min
